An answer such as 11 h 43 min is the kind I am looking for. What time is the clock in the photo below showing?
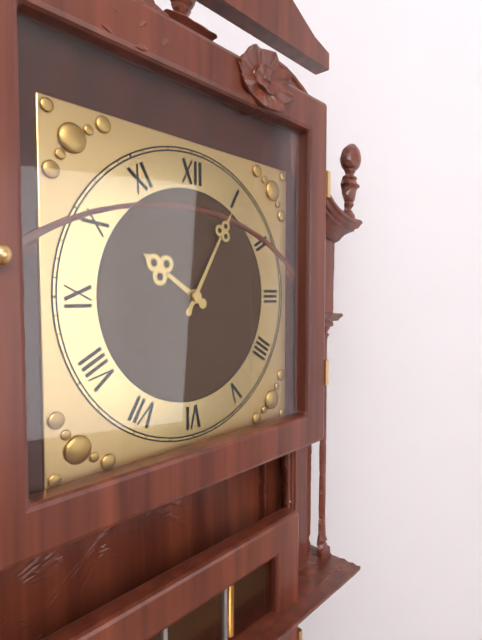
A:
10 h 05 min
